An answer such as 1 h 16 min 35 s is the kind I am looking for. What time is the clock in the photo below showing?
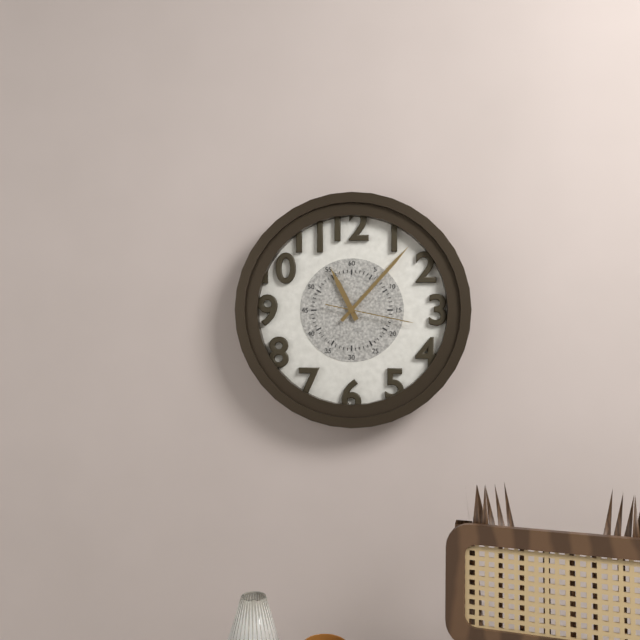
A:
11 h 07 min 17 s
